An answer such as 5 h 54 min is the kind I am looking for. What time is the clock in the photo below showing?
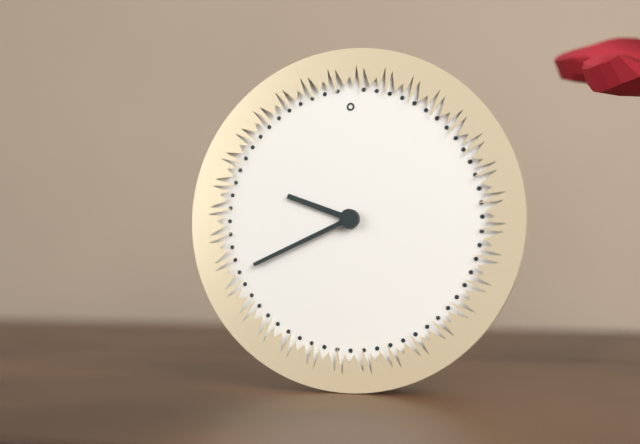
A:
9 h 41 min
